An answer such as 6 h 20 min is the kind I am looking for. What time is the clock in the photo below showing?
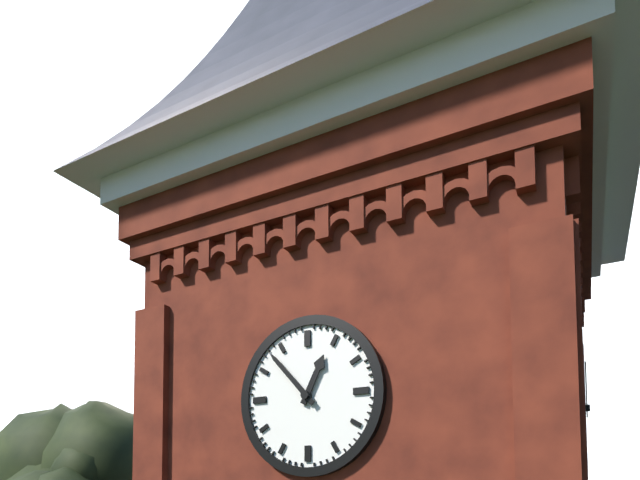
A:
12 h 53 min
